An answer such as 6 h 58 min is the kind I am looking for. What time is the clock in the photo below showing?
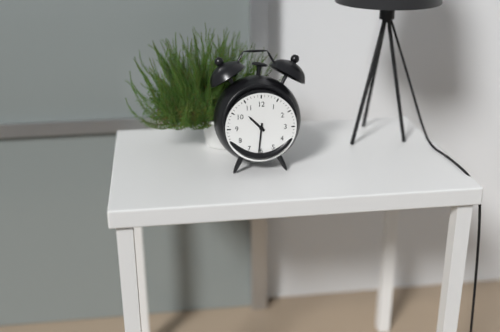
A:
10 h 31 min
